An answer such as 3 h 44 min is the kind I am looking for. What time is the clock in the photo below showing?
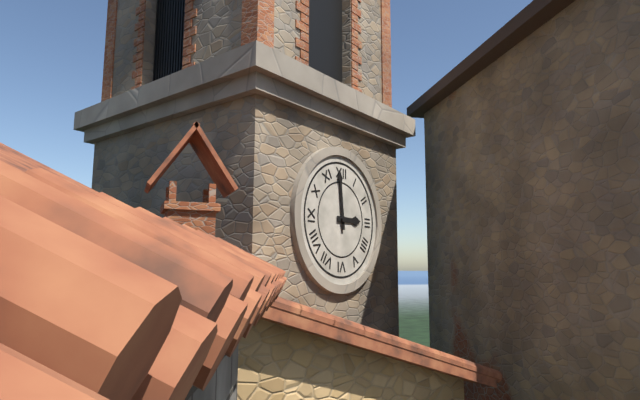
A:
2 h 59 min
